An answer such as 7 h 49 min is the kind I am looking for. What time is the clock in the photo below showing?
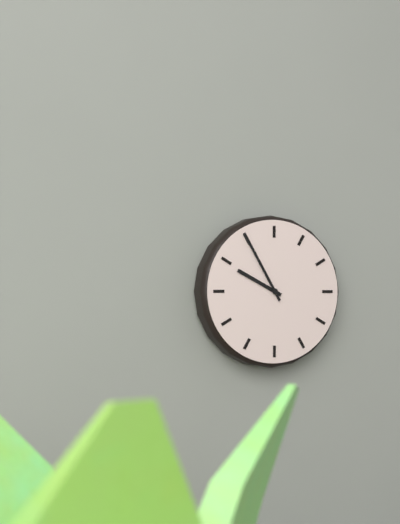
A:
9 h 55 min
